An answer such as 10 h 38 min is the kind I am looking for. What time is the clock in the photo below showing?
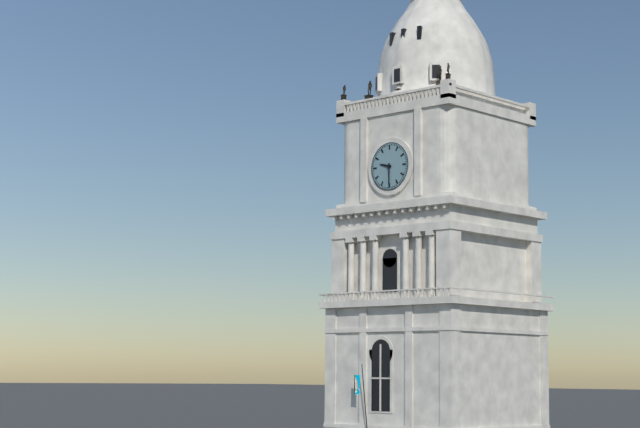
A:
9 h 30 min
